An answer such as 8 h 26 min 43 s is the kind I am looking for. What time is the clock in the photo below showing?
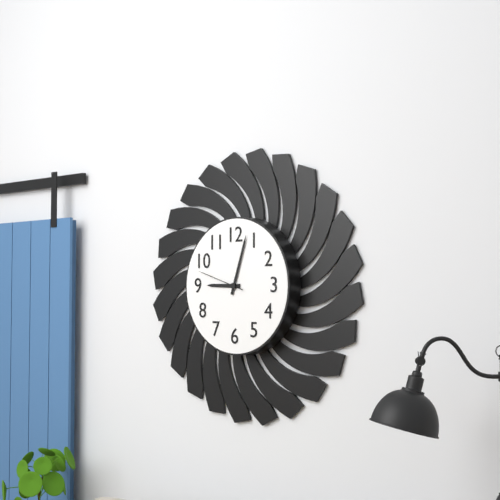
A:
9 h 03 min 48 s
